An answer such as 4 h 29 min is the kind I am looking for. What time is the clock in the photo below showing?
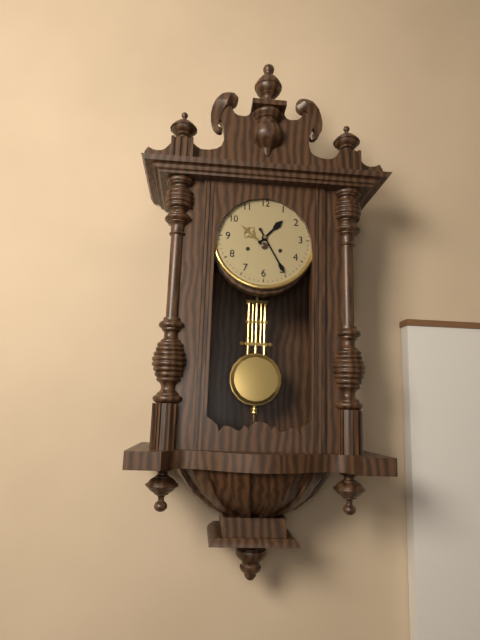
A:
1 h 25 min
